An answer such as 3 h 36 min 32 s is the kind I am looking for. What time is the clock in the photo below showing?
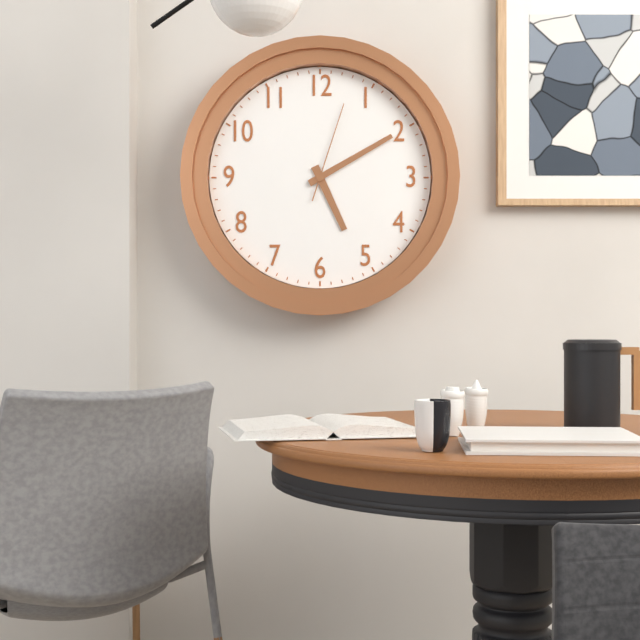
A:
5 h 10 min 03 s
